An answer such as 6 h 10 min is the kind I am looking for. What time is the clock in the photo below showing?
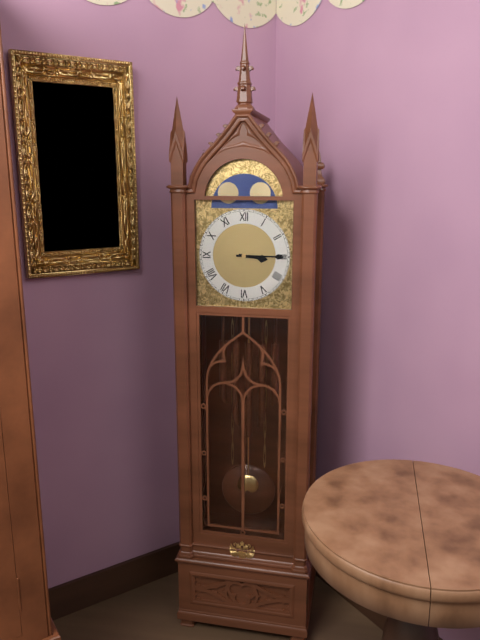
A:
3 h 15 min
